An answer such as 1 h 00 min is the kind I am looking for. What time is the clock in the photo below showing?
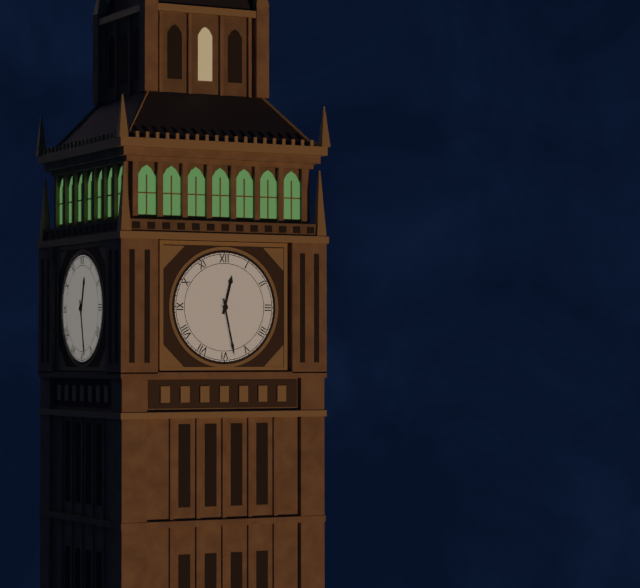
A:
12 h 28 min
